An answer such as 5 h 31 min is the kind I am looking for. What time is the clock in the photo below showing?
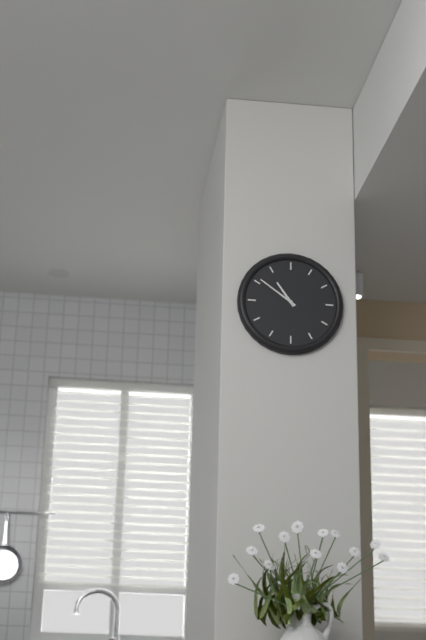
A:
10 h 51 min
